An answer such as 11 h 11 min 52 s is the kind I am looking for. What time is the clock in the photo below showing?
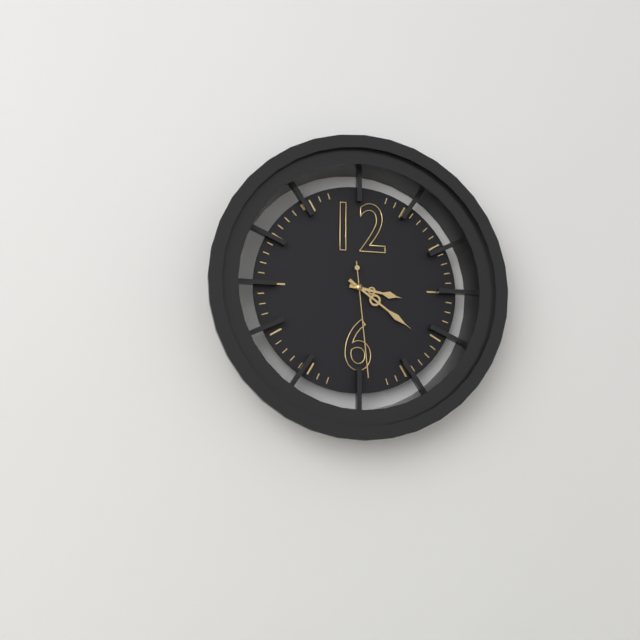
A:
3 h 21 min 29 s
